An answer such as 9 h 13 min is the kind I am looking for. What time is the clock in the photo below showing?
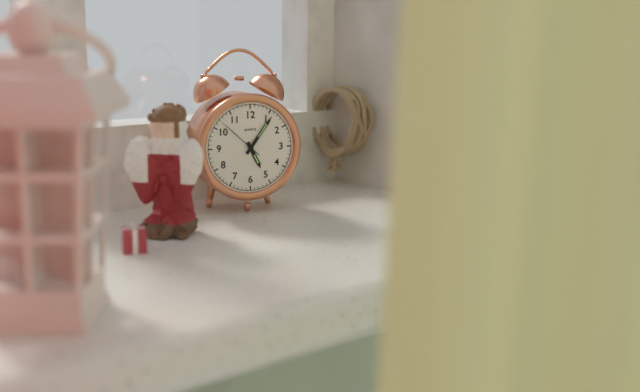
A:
5 h 06 min
